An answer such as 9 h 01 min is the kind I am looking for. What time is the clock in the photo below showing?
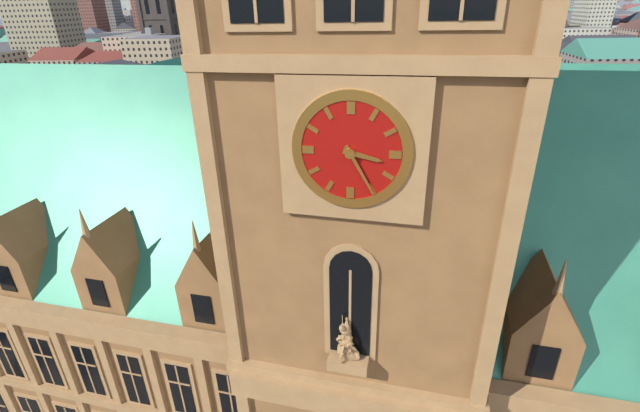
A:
3 h 25 min
